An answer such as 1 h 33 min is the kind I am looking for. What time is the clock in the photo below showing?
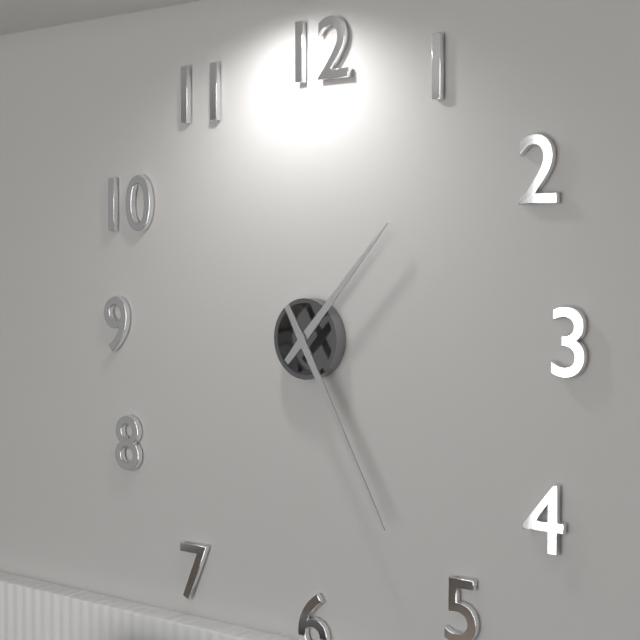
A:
1 h 25 min
